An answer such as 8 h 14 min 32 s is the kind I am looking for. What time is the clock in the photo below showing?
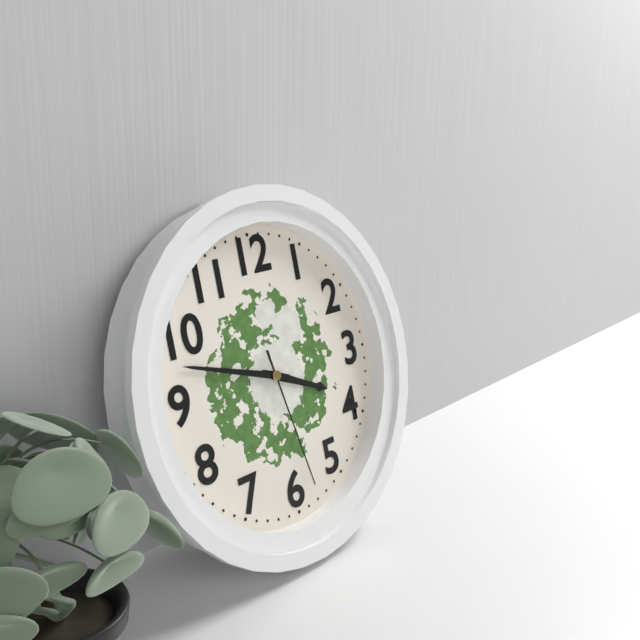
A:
3 h 48 min 28 s
